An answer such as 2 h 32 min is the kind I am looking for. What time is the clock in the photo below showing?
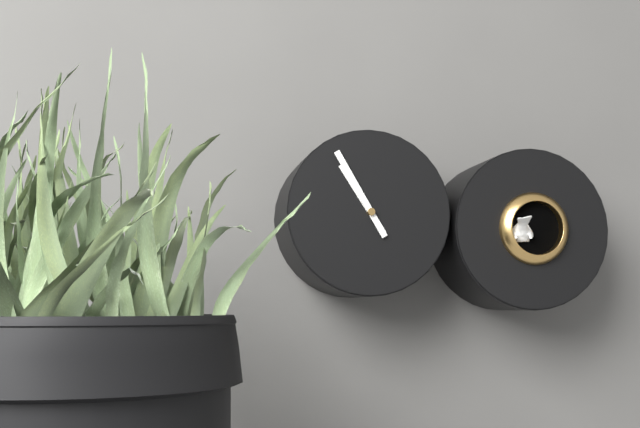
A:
10 h 55 min
